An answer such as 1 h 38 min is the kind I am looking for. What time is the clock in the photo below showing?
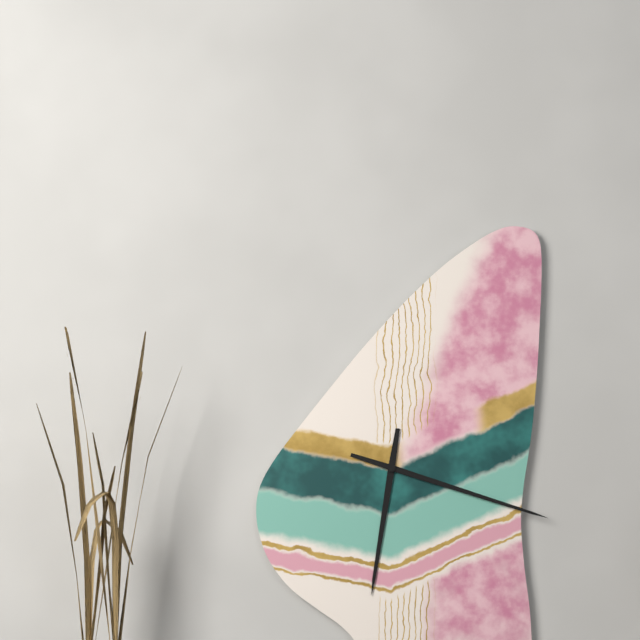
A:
6 h 18 min
